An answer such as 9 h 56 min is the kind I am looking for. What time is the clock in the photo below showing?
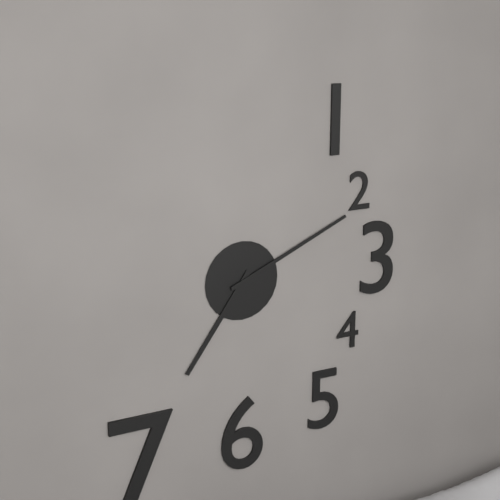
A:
7 h 11 min
